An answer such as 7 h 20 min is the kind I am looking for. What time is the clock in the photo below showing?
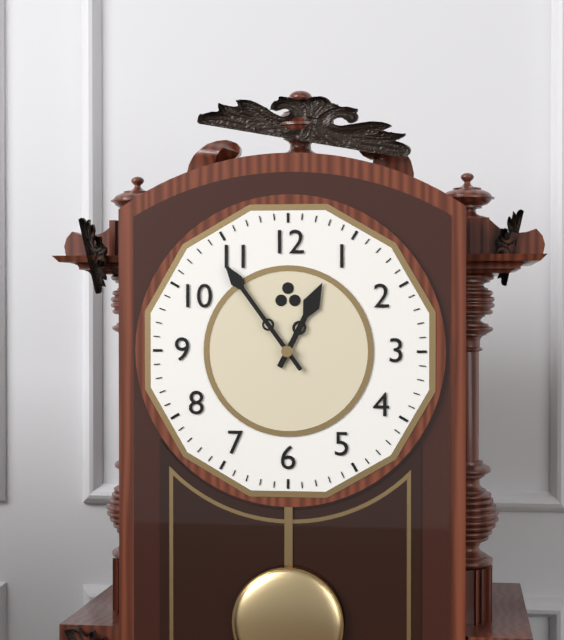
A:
12 h 54 min
